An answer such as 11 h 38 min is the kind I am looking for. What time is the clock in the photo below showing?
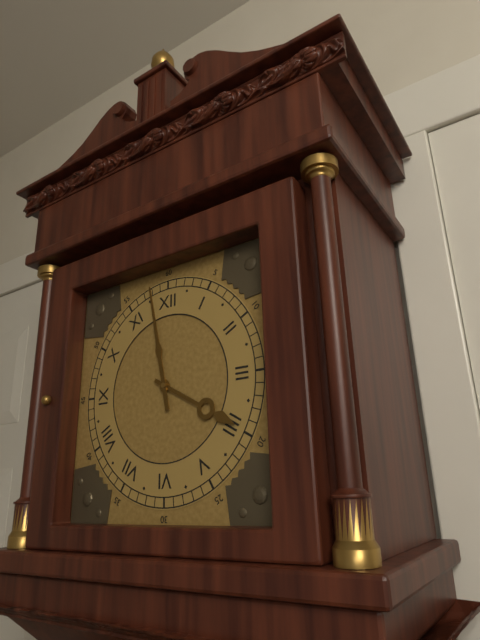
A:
3 h 58 min
